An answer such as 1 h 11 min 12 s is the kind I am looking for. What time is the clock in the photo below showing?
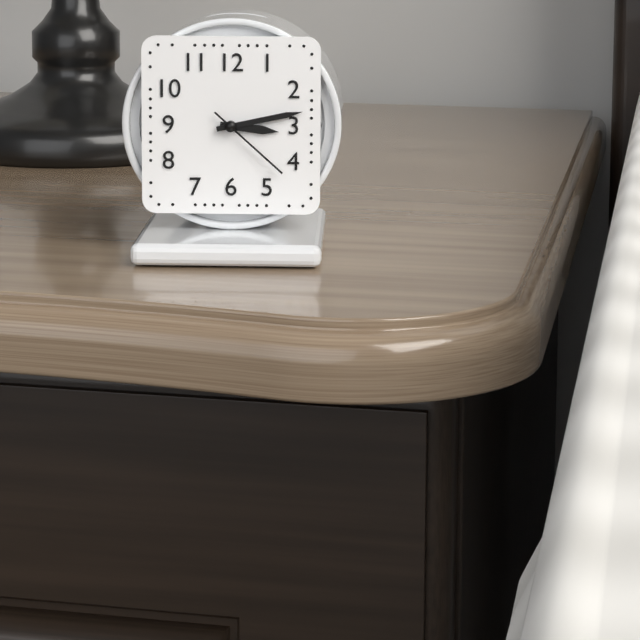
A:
3 h 13 min 22 s
